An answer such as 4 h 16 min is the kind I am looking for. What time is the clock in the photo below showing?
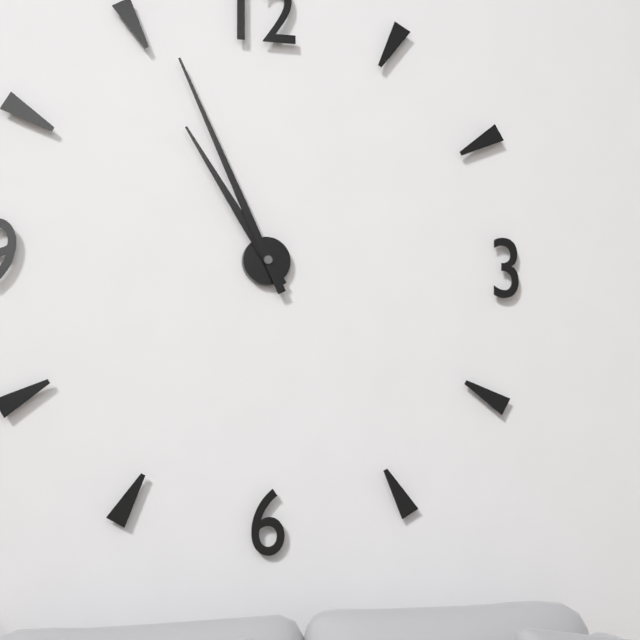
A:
10 h 56 min
